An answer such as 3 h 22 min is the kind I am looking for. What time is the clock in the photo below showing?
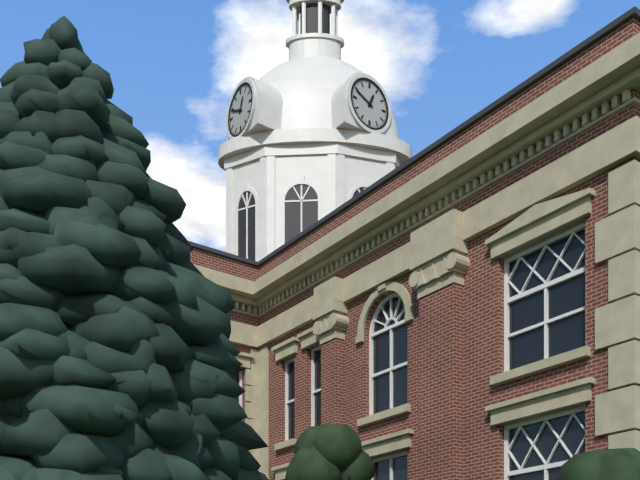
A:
12 h 49 min
